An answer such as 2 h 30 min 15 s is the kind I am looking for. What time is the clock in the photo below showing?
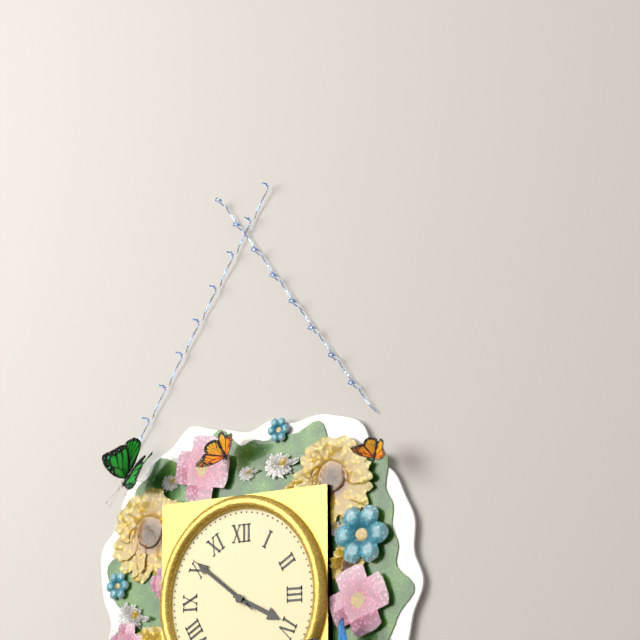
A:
3 h 51 min 51 s
